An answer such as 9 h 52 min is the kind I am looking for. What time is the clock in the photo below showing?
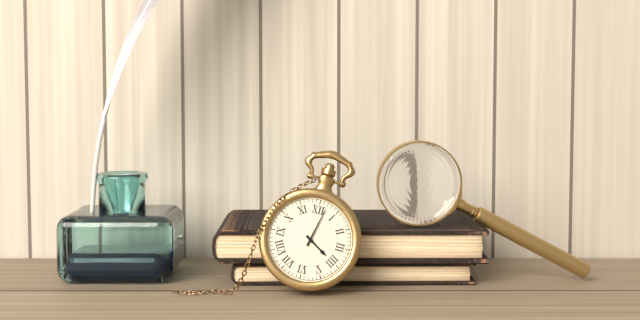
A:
4 h 02 min
